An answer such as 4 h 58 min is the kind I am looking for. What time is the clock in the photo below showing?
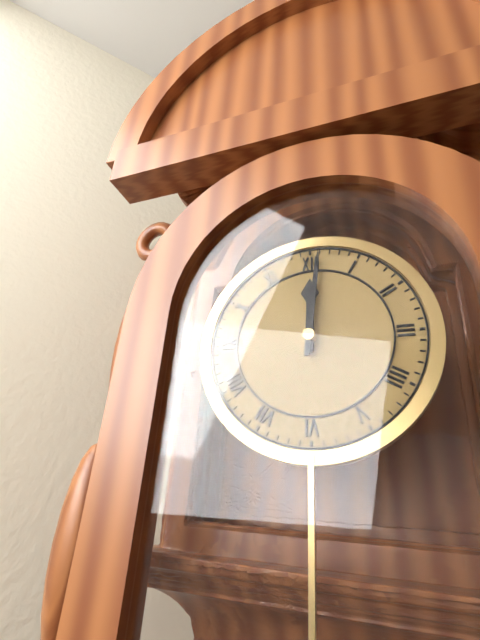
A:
12 h 01 min
